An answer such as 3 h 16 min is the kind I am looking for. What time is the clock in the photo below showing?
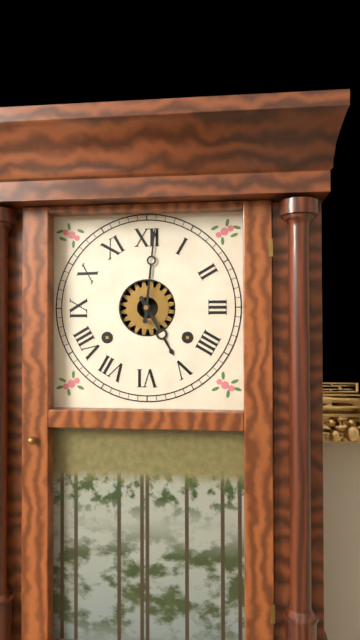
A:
5 h 01 min
